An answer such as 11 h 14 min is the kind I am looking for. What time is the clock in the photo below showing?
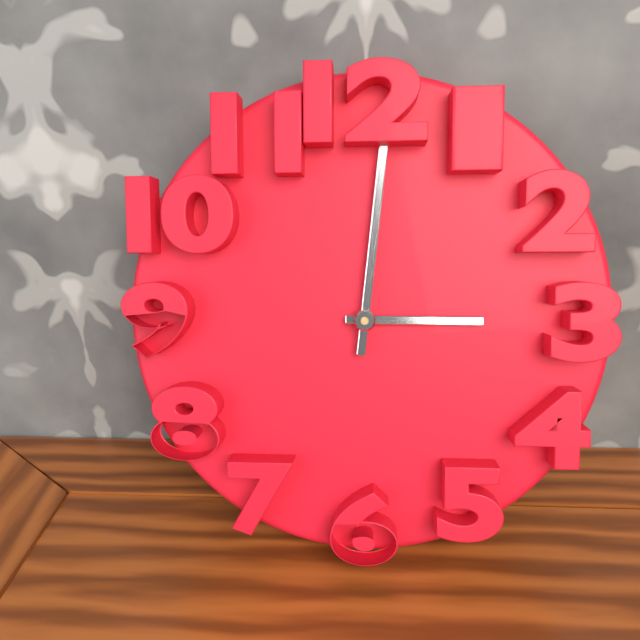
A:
3 h 01 min
